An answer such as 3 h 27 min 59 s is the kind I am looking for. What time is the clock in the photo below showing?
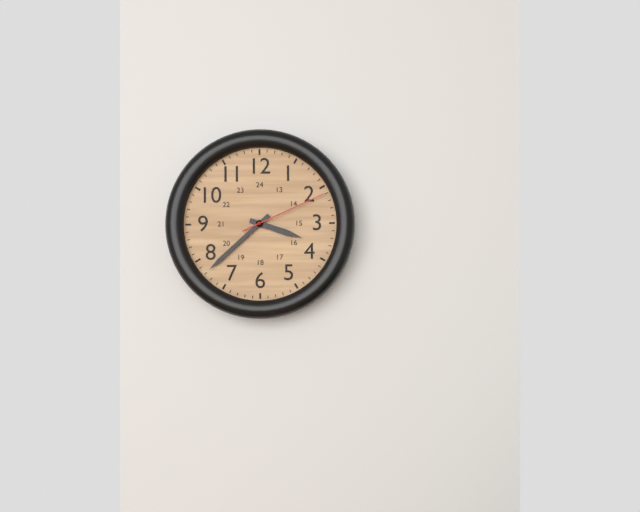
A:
3 h 38 min 11 s
